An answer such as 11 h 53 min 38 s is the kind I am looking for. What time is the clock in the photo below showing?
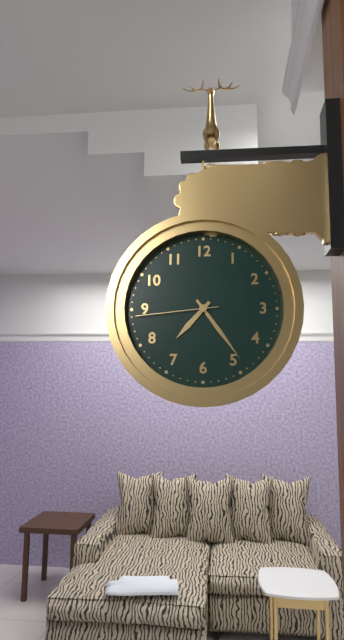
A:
7 h 24 min 44 s
